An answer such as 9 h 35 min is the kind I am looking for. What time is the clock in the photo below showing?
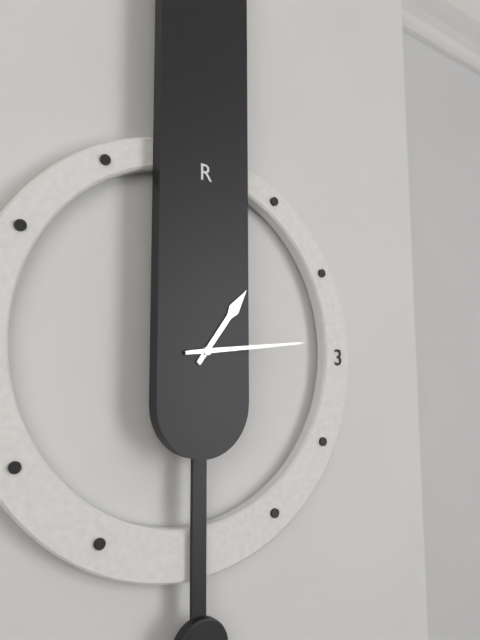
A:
1 h 14 min
